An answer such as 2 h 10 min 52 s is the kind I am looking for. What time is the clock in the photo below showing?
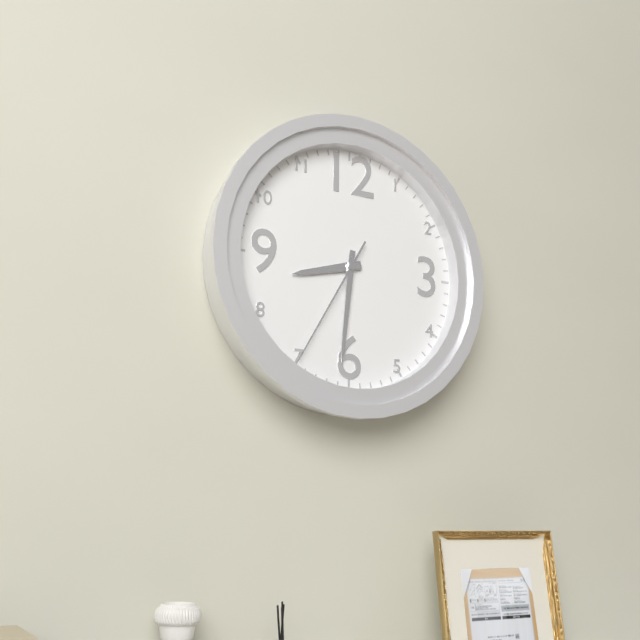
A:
8 h 31 min 35 s
